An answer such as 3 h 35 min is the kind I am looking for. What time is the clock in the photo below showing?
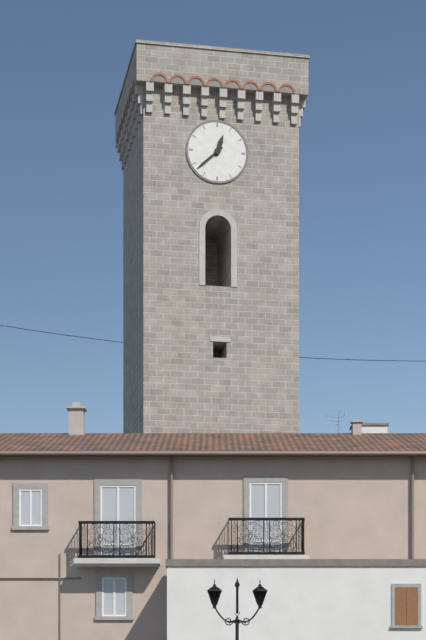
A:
12 h 38 min
